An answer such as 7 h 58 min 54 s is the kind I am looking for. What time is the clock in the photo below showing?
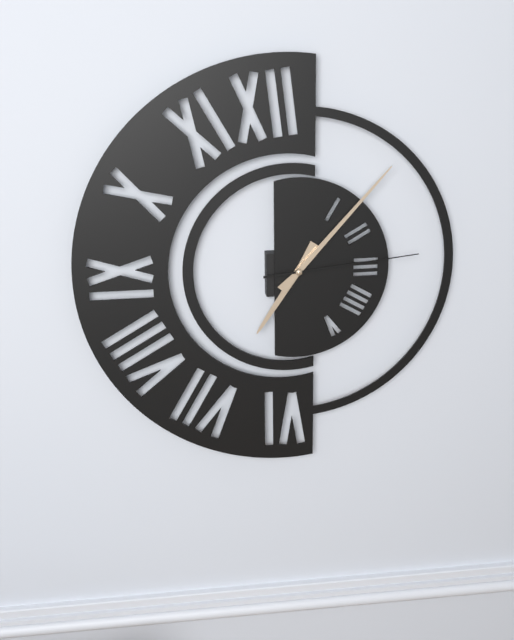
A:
7 h 07 min 14 s
